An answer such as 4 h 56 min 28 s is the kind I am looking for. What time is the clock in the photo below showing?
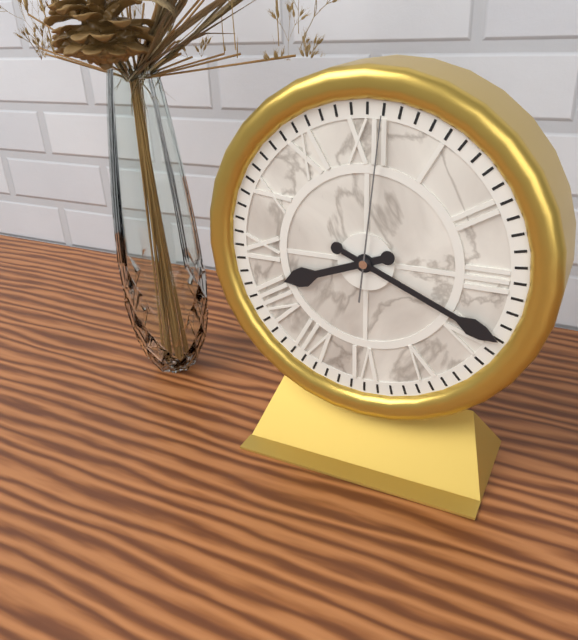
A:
8 h 19 min 01 s
